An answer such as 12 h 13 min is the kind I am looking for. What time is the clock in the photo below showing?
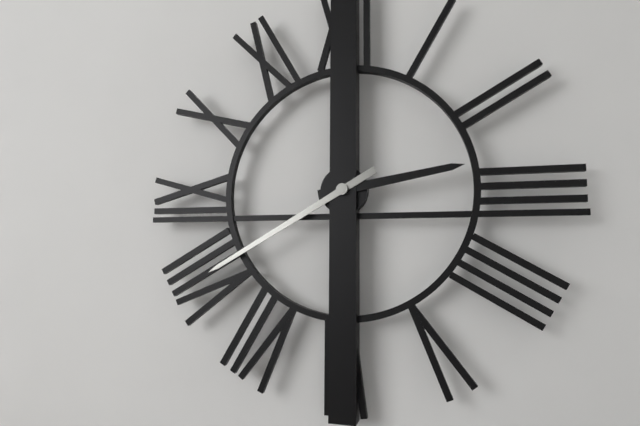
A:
2 h 40 min
